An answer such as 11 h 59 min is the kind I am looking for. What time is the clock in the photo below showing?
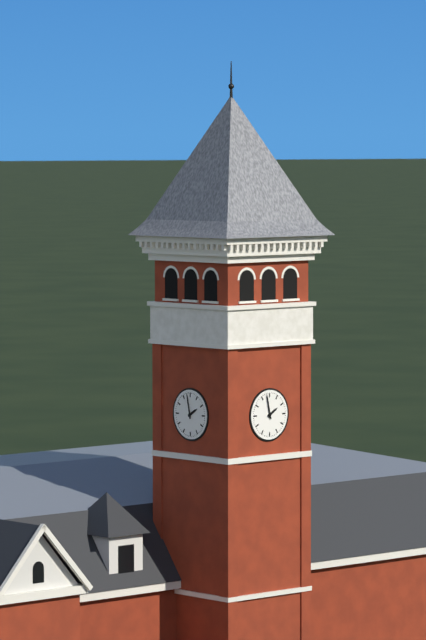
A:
1 h 58 min
